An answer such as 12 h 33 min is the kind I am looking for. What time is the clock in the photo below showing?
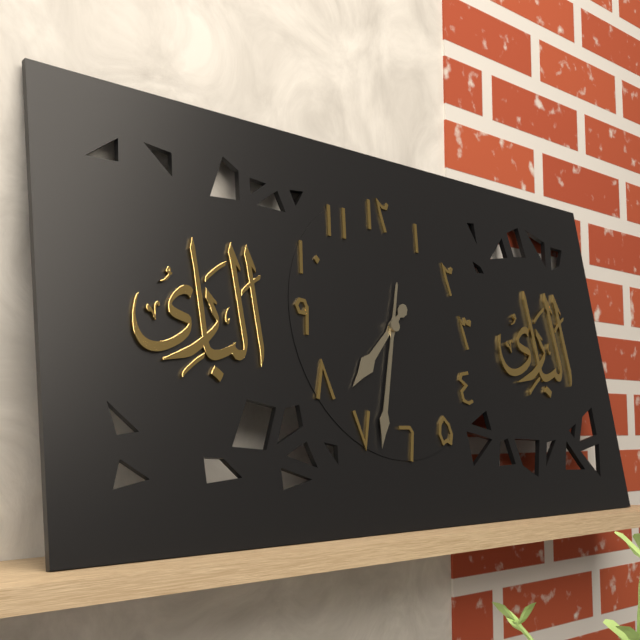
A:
7 h 33 min
